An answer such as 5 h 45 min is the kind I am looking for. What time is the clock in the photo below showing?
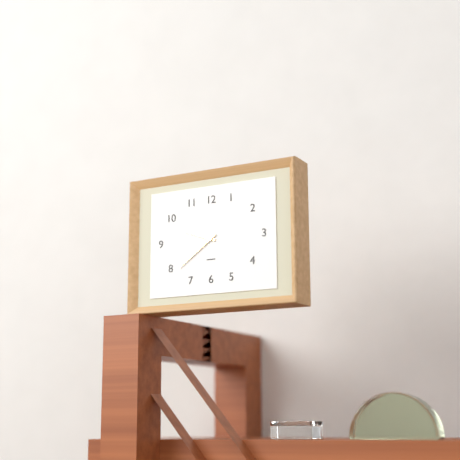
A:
9 h 39 min
